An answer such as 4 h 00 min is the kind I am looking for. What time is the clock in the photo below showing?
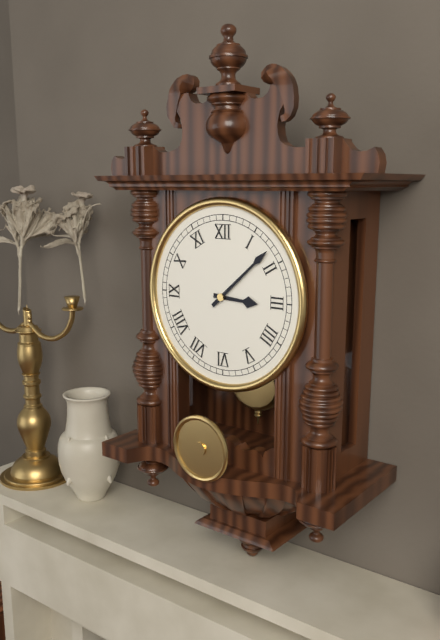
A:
3 h 08 min
